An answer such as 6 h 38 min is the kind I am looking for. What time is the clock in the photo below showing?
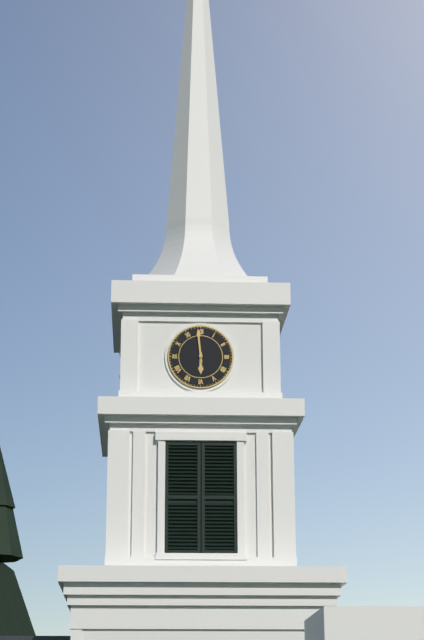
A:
5 h 59 min
